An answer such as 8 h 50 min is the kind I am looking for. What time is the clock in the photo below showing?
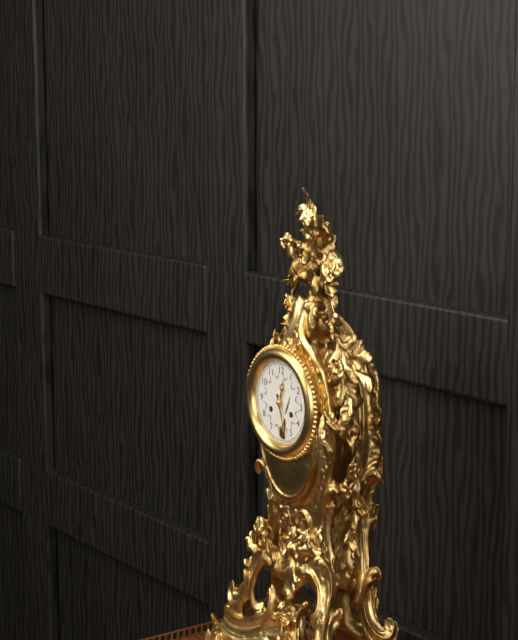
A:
12 h 27 min
